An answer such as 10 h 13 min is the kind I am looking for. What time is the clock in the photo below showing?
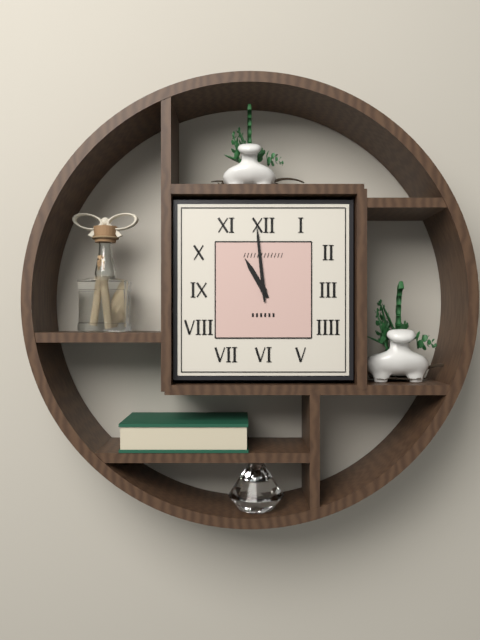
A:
10 h 59 min
